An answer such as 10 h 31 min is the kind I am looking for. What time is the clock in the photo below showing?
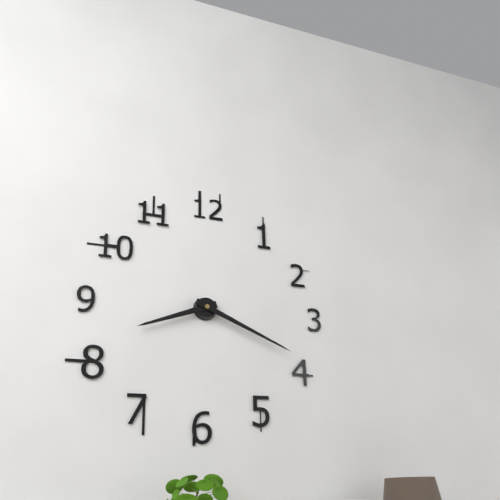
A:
8 h 19 min
